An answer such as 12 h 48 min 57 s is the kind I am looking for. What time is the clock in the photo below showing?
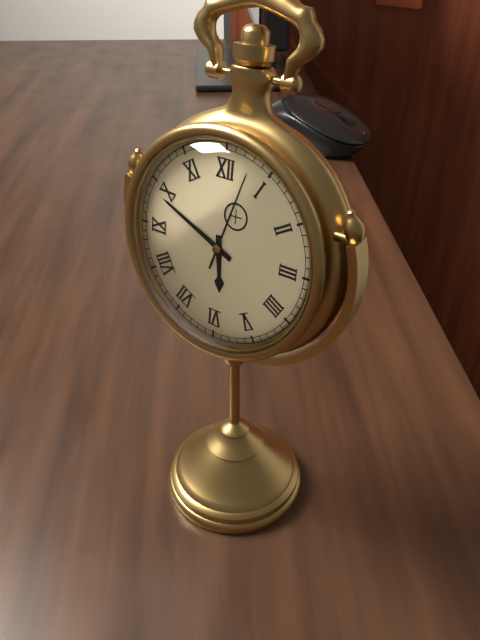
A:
5 h 49 min 03 s
